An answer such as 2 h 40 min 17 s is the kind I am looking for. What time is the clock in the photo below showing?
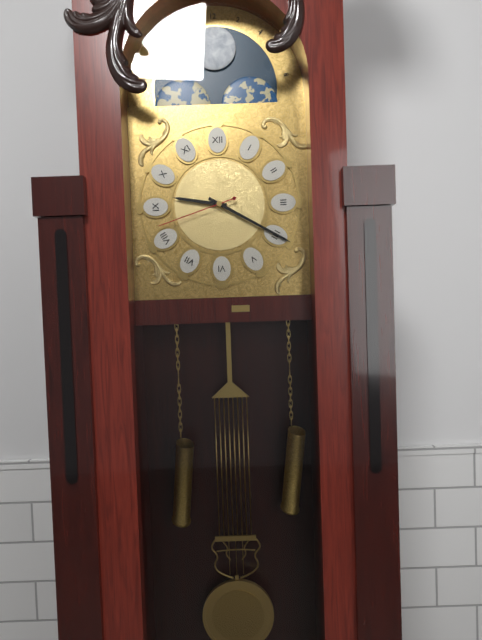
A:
9 h 20 min 42 s
